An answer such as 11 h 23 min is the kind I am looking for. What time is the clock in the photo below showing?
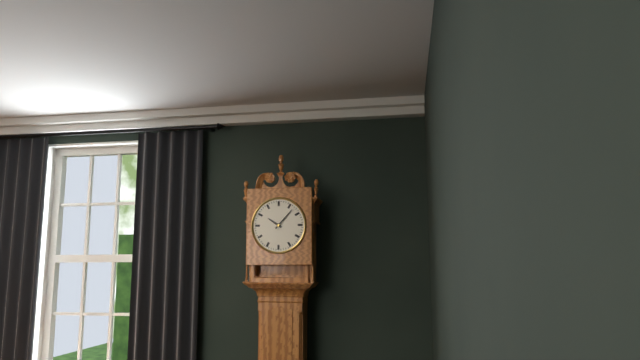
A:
10 h 07 min
